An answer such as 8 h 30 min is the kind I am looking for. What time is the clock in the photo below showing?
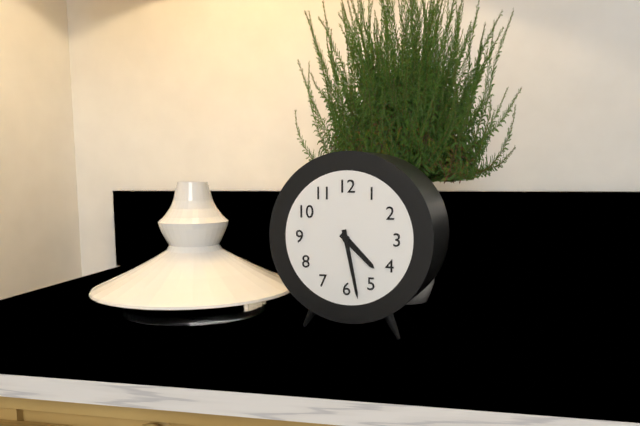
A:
4 h 28 min
